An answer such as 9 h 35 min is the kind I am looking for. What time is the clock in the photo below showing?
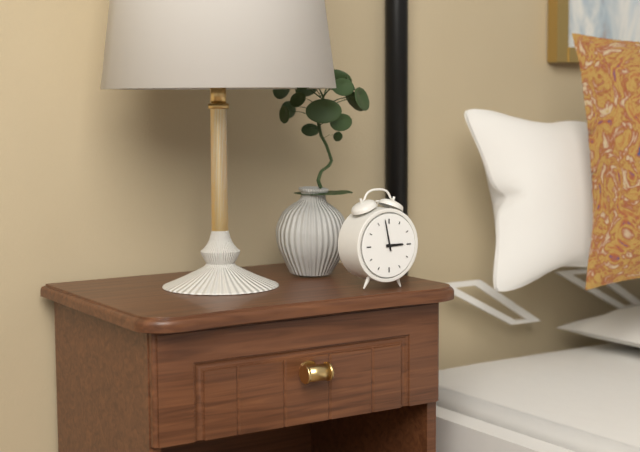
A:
2 h 58 min
